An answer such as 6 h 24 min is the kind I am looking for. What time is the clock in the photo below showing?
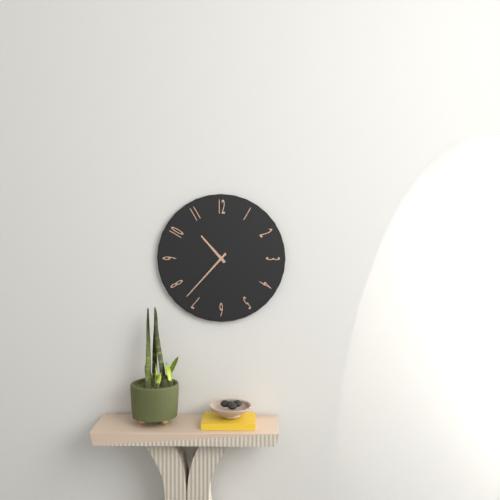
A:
10 h 37 min
